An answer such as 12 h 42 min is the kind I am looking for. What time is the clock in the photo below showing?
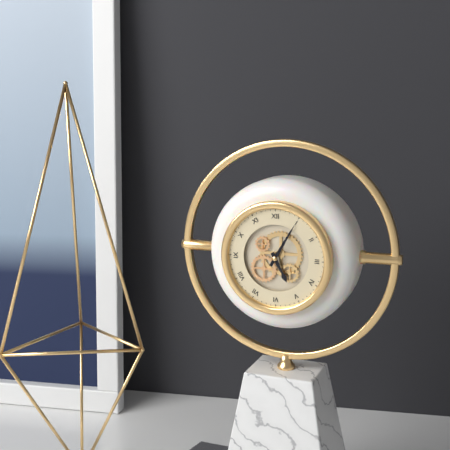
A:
5 h 05 min
